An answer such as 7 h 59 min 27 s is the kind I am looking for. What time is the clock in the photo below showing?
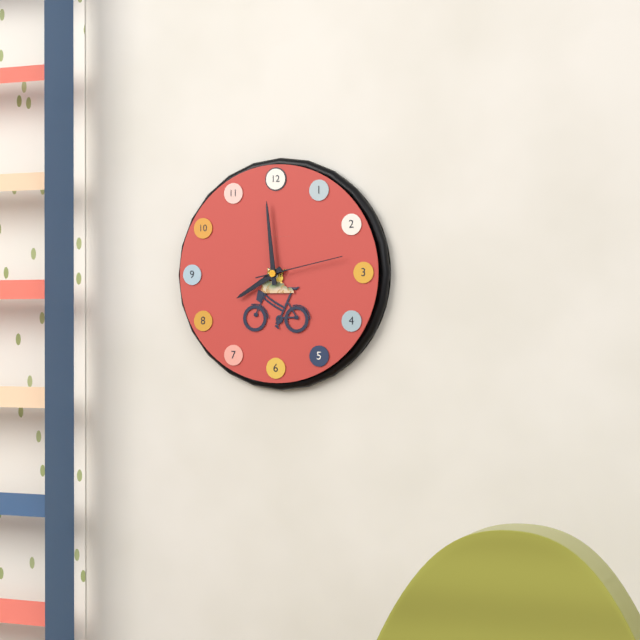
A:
7 h 59 min 13 s
